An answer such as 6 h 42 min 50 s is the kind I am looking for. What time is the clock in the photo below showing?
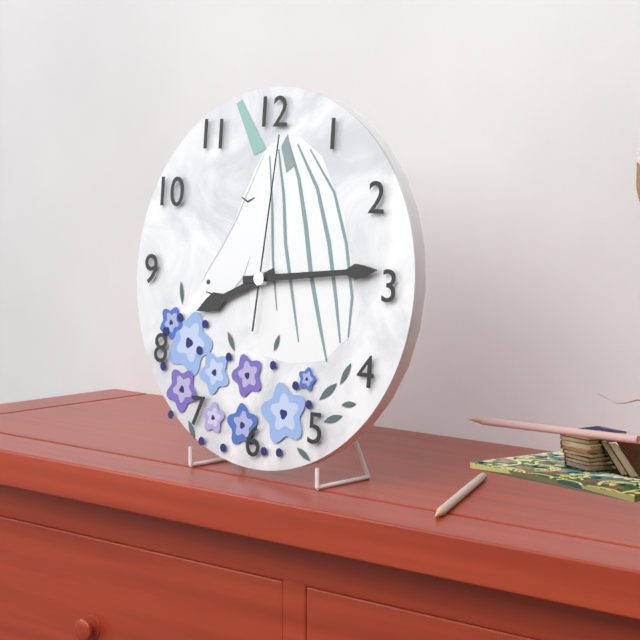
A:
8 h 14 min 01 s
